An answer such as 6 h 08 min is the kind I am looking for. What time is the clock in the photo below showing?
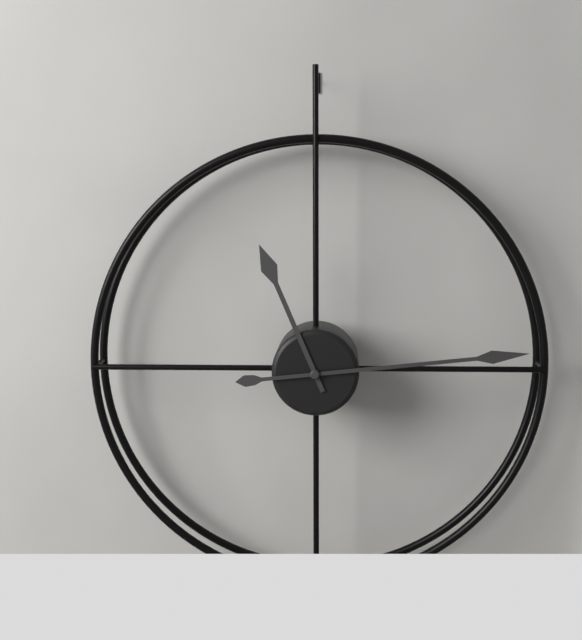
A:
11 h 14 min
